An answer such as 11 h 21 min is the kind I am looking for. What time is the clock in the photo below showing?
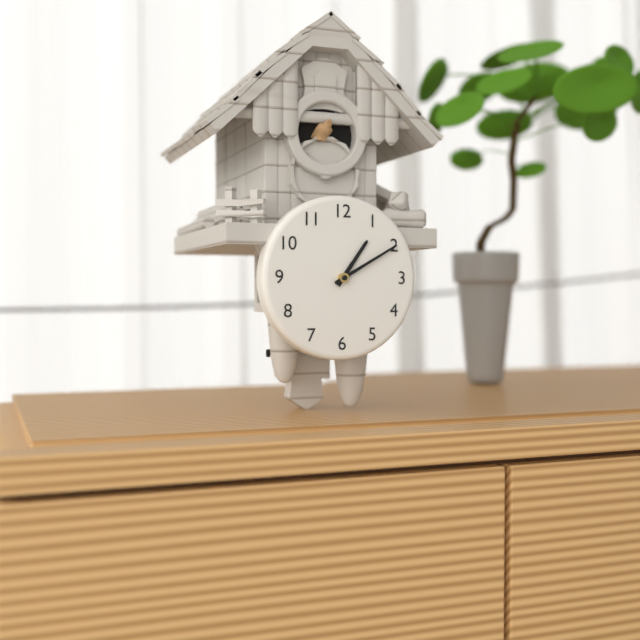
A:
1 h 10 min
